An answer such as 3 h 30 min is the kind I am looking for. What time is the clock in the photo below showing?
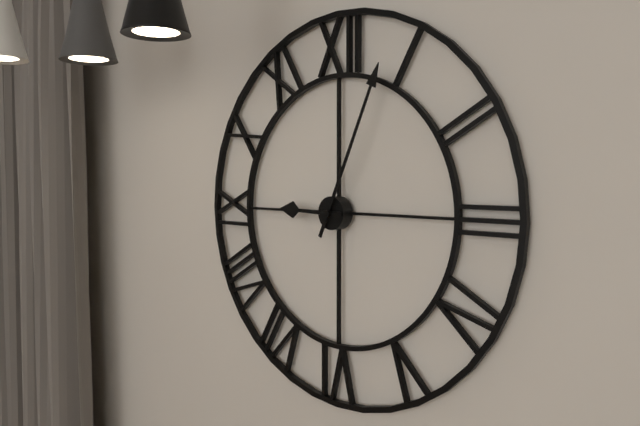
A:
9 h 04 min
